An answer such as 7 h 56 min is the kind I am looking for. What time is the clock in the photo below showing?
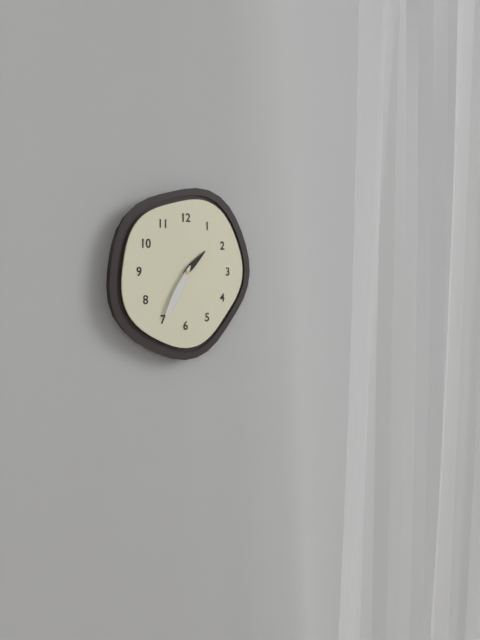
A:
1 h 35 min
